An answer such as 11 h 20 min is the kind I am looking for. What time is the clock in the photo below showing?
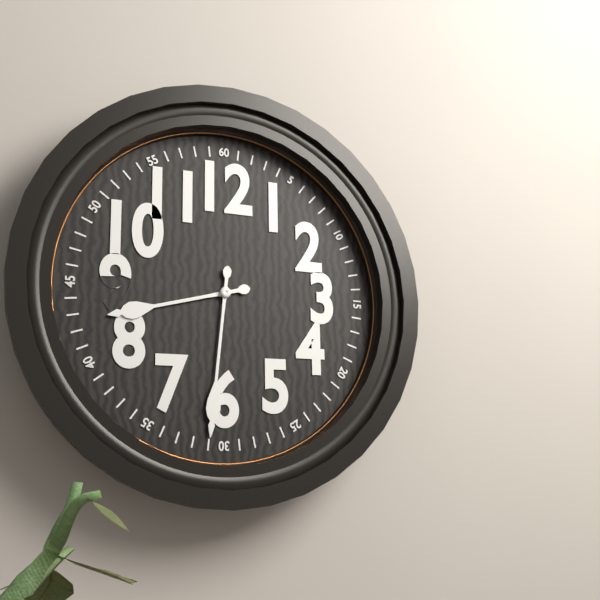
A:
8 h 31 min
